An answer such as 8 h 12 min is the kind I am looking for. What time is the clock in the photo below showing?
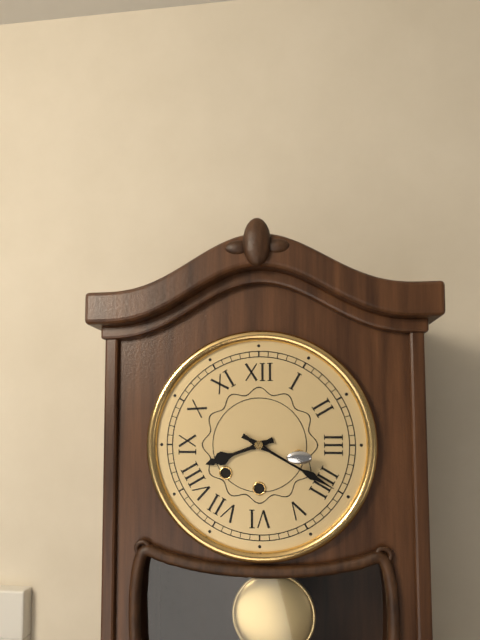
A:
8 h 20 min
